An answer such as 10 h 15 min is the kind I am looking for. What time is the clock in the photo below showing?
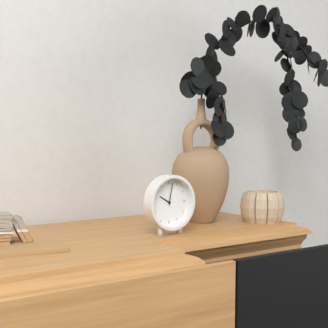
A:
10 h 02 min
